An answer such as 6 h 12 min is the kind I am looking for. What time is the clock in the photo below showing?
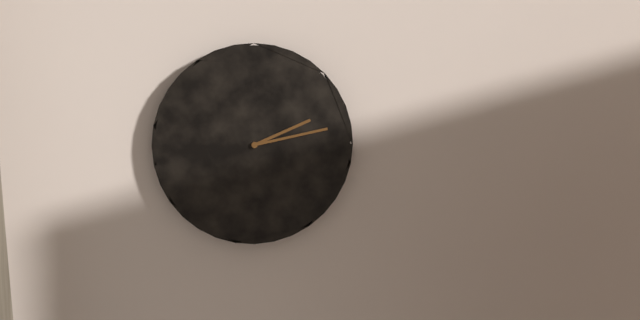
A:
2 h 13 min
